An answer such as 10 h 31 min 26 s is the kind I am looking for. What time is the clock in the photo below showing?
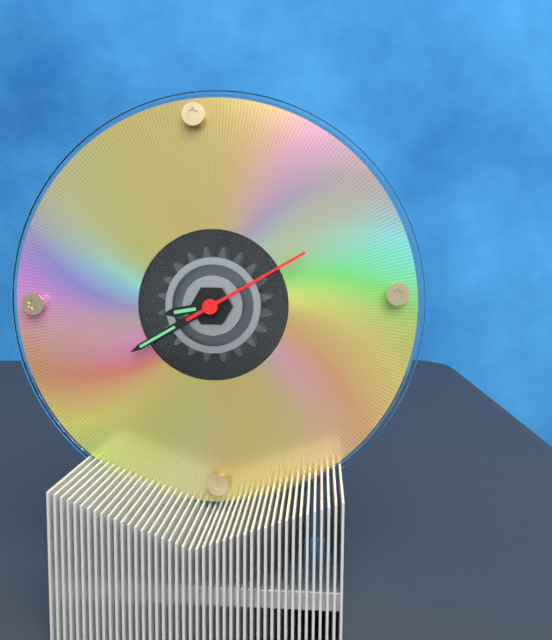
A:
8 h 40 min 10 s
